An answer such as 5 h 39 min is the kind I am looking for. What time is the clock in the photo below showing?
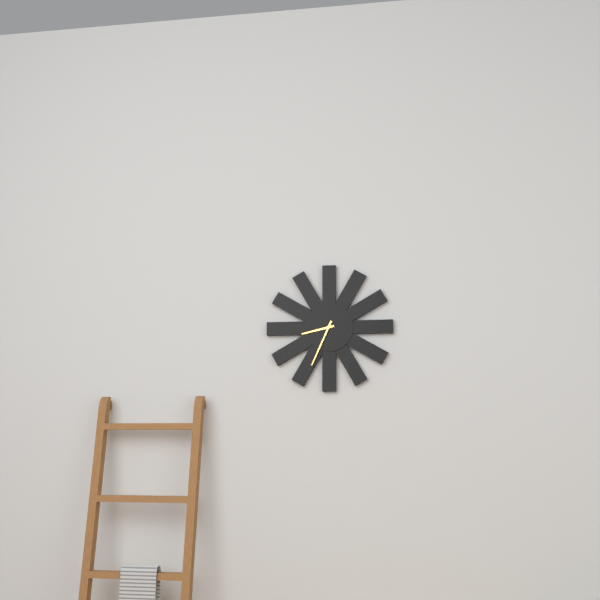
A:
8 h 34 min
